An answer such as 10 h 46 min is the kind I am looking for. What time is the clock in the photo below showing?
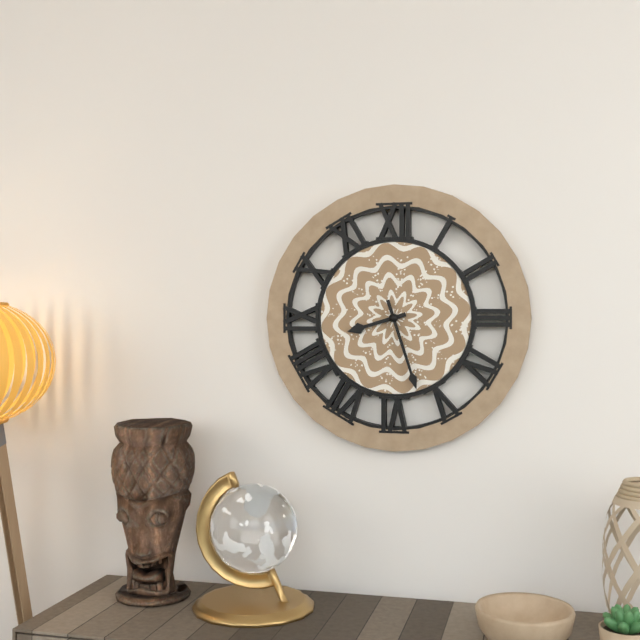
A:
8 h 27 min
